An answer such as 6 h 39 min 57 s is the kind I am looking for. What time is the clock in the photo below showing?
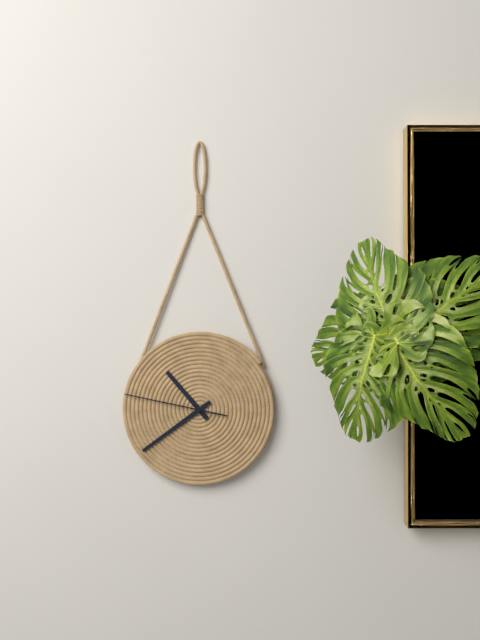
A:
10 h 39 min 47 s
